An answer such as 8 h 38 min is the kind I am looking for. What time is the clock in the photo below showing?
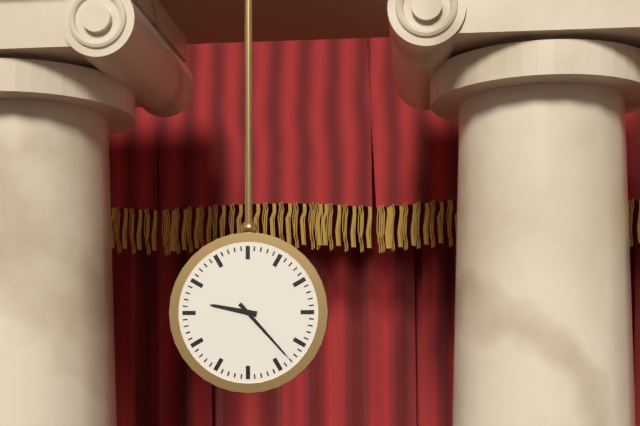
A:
9 h 23 min
